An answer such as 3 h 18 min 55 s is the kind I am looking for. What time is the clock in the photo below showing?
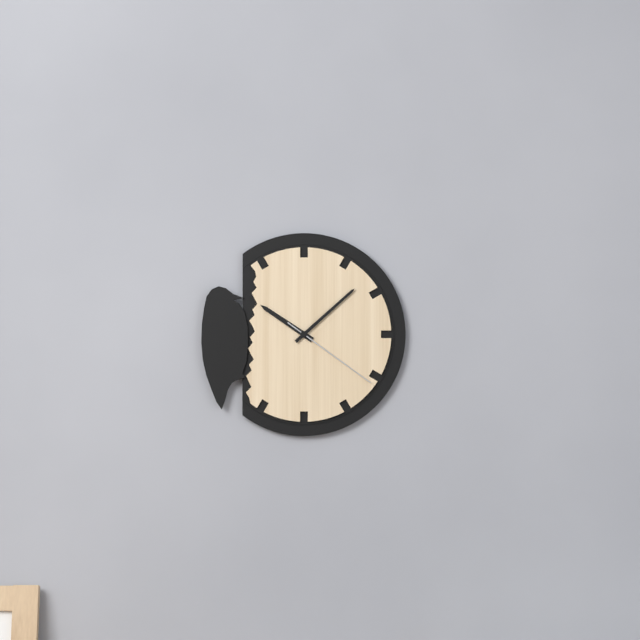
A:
10 h 08 min 21 s
